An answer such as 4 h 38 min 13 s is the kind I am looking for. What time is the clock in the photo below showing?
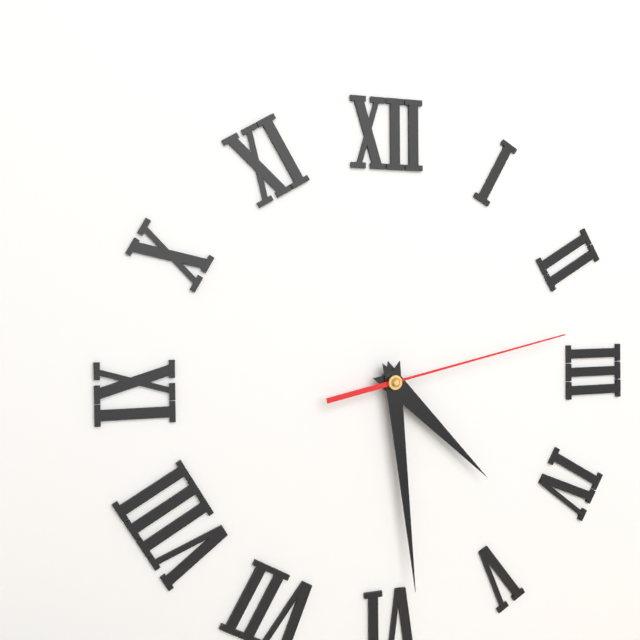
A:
4 h 29 min 13 s
